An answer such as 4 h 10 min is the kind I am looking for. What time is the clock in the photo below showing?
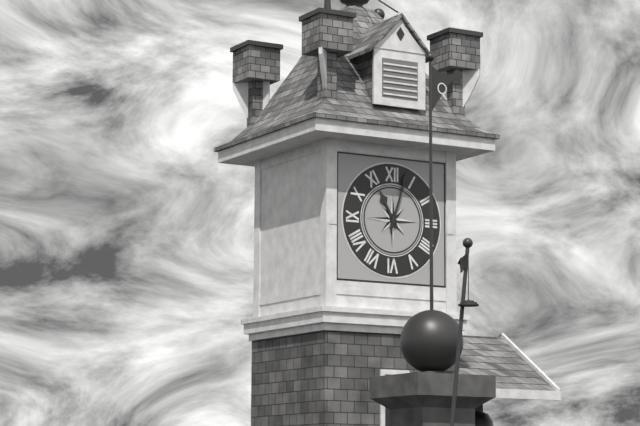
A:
11 h 03 min
